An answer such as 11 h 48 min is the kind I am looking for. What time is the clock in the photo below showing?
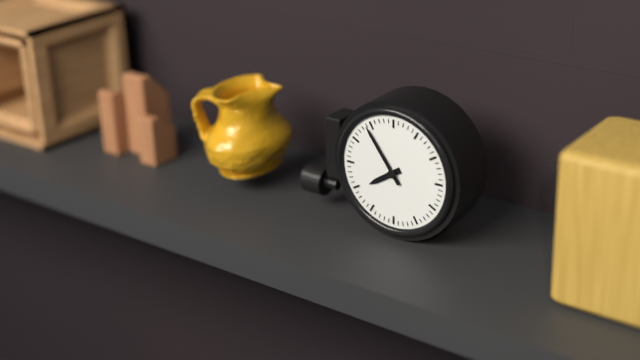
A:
7 h 54 min
